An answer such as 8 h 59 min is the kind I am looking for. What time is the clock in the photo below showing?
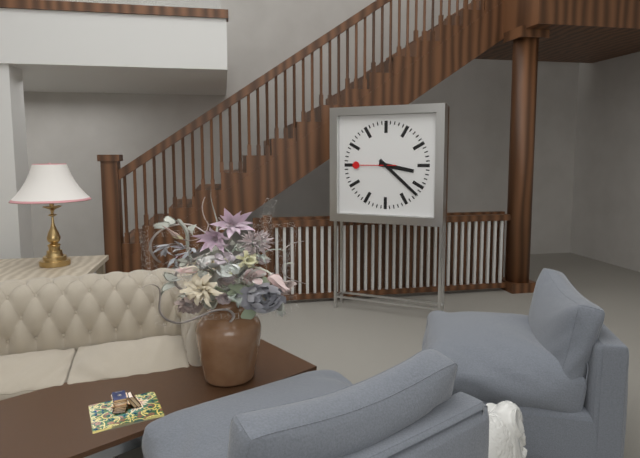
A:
3 h 22 min
